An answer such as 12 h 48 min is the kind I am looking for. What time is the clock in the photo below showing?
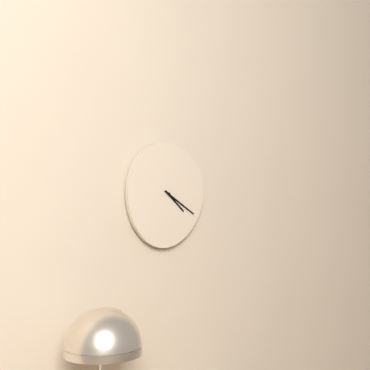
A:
4 h 20 min
